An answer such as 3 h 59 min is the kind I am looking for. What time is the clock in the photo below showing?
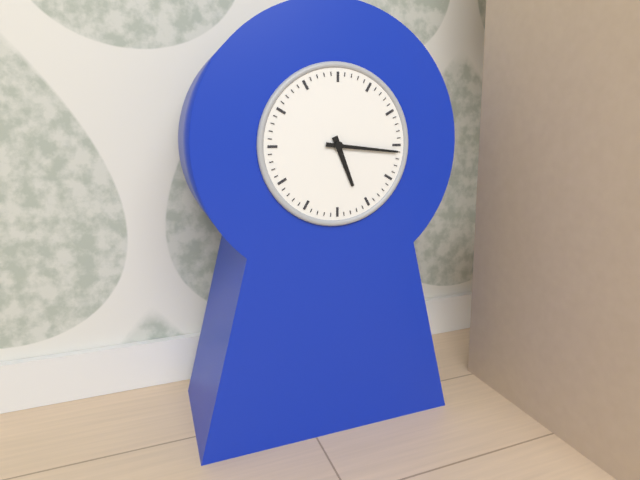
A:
5 h 16 min
